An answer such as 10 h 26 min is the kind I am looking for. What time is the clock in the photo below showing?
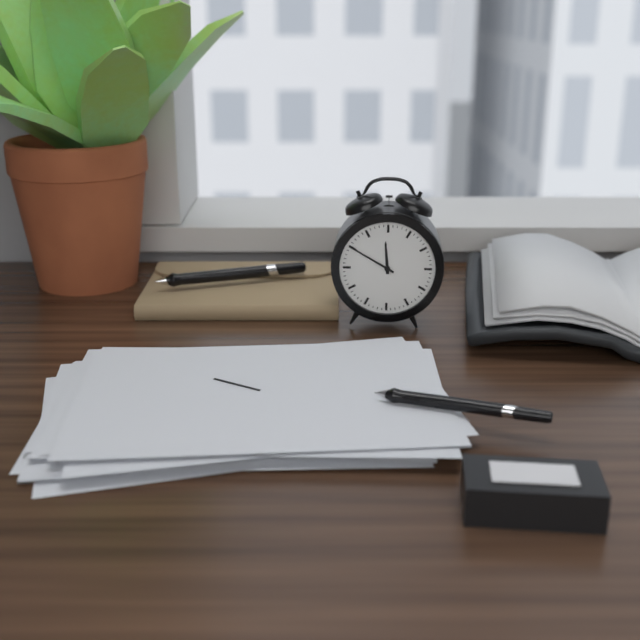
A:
11 h 50 min
